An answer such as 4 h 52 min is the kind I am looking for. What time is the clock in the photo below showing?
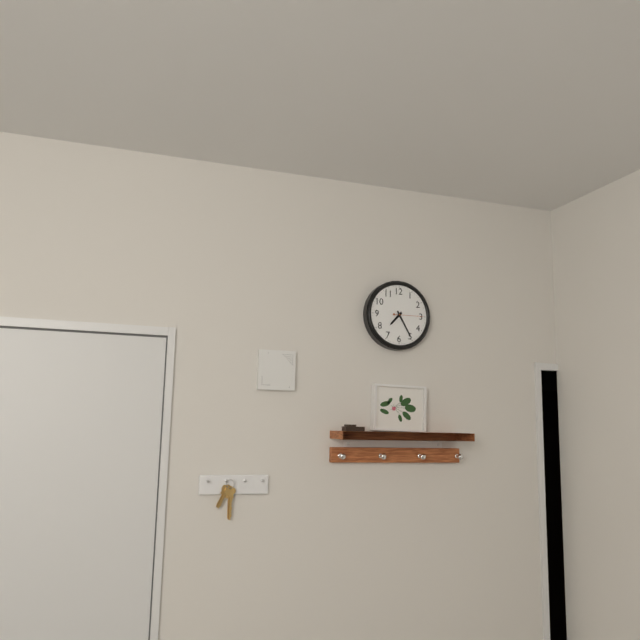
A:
7 h 25 min
